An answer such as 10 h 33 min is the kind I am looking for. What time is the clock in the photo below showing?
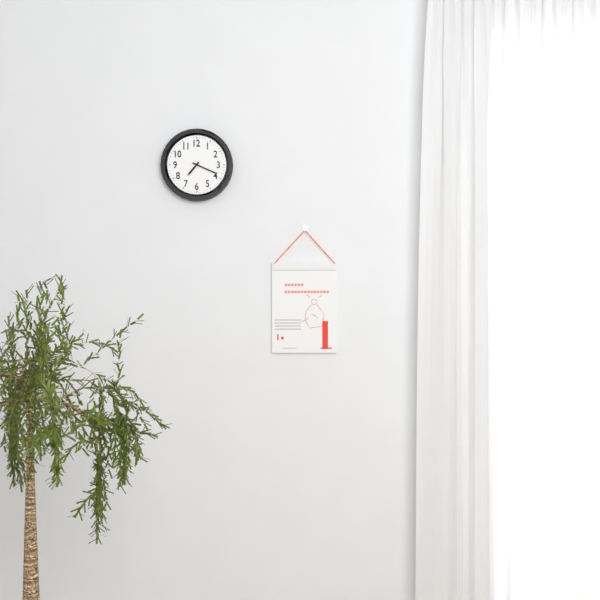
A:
7 h 19 min
